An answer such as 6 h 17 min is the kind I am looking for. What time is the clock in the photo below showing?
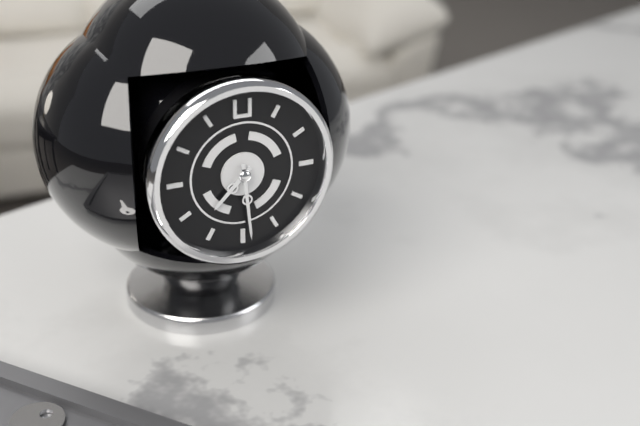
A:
7 h 29 min
